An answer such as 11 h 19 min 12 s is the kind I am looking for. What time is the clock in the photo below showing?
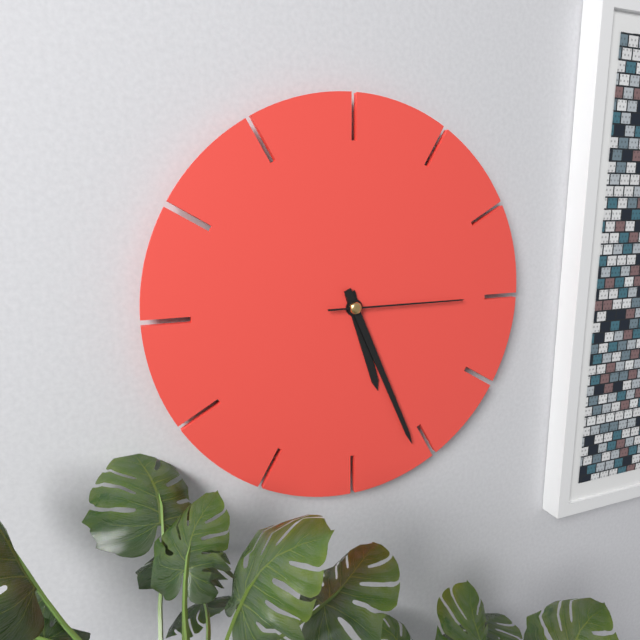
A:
5 h 26 min 15 s
